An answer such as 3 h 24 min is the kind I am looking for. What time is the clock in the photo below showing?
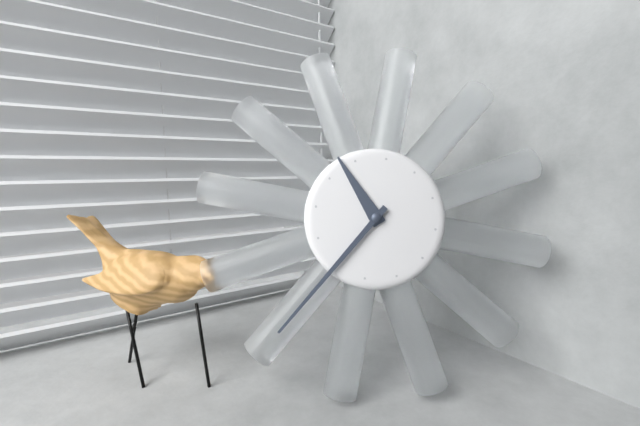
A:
10 h 35 min
